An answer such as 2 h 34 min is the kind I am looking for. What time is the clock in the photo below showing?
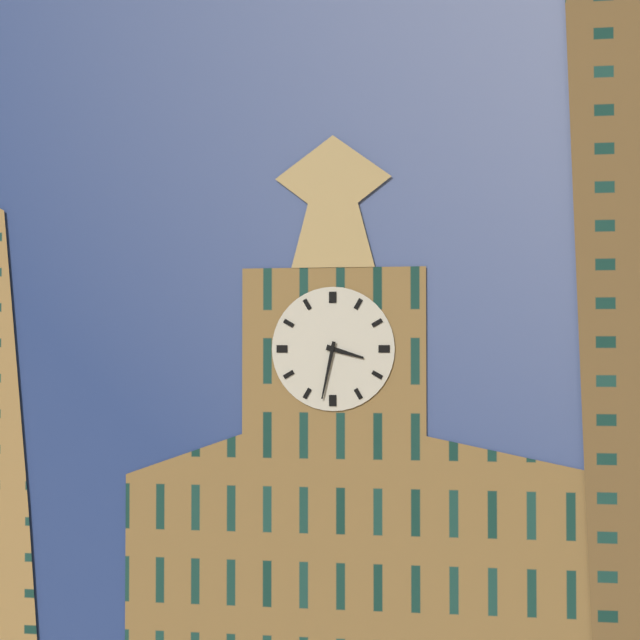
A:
3 h 32 min
